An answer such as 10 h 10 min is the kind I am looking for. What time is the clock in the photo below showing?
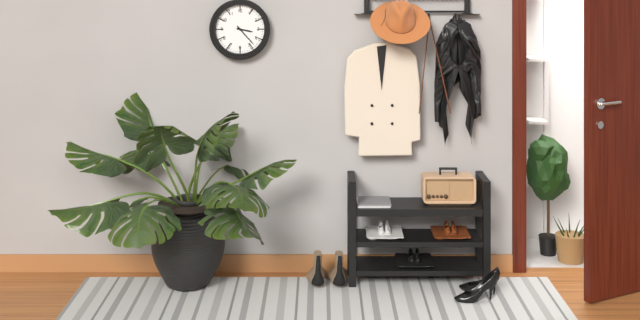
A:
3 h 23 min
